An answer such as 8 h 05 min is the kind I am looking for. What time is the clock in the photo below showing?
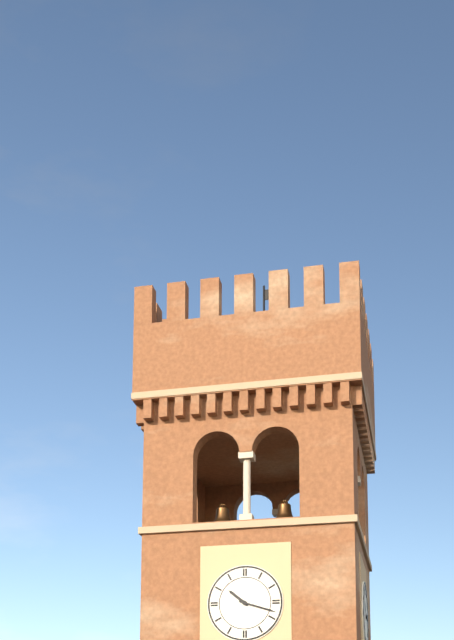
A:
10 h 18 min
